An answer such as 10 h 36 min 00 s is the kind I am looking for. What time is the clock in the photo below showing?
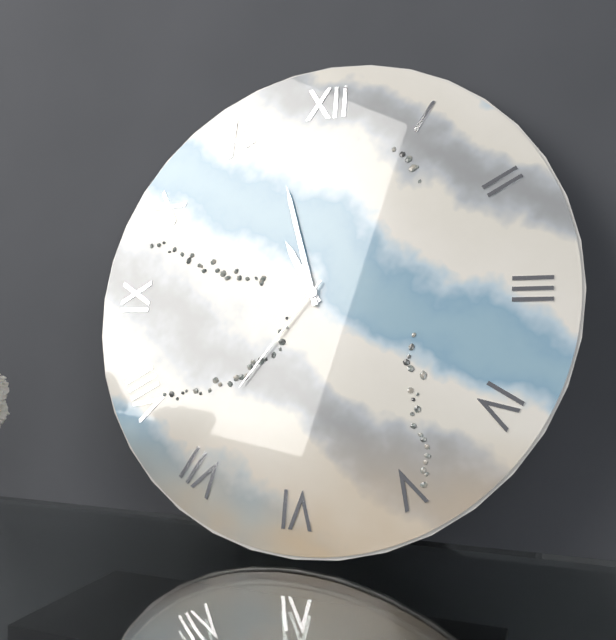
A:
10 h 57 min 36 s
